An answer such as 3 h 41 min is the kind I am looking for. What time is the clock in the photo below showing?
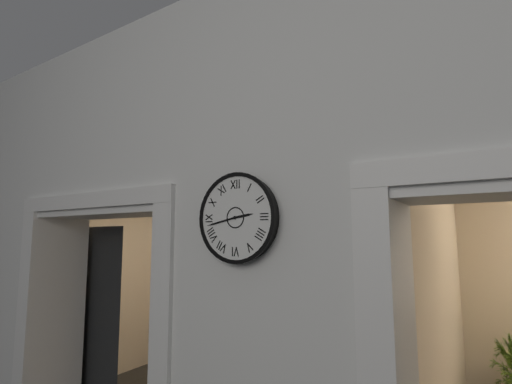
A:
2 h 43 min
